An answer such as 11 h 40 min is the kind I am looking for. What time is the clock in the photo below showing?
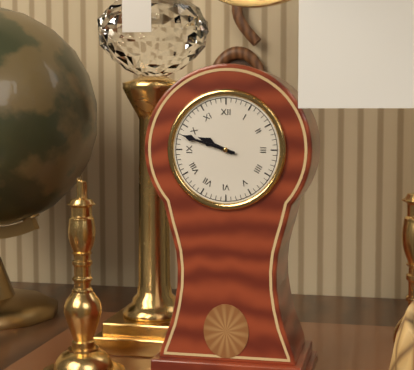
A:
9 h 48 min
